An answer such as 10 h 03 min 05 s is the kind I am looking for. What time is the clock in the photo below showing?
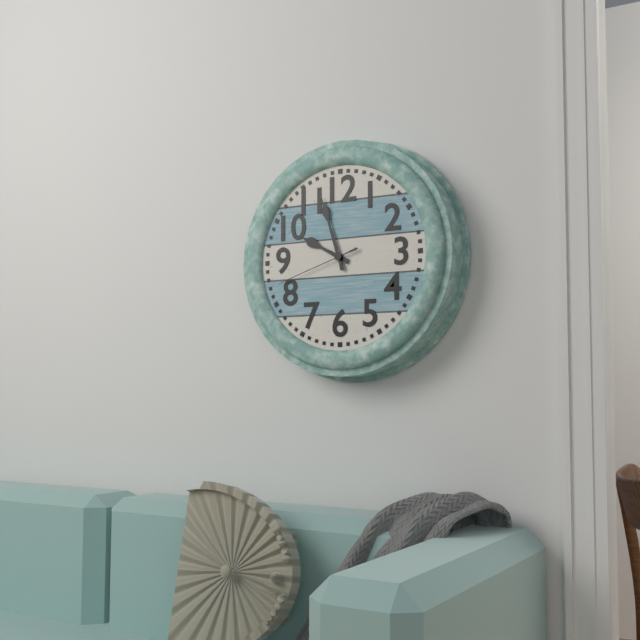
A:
9 h 57 min 42 s
